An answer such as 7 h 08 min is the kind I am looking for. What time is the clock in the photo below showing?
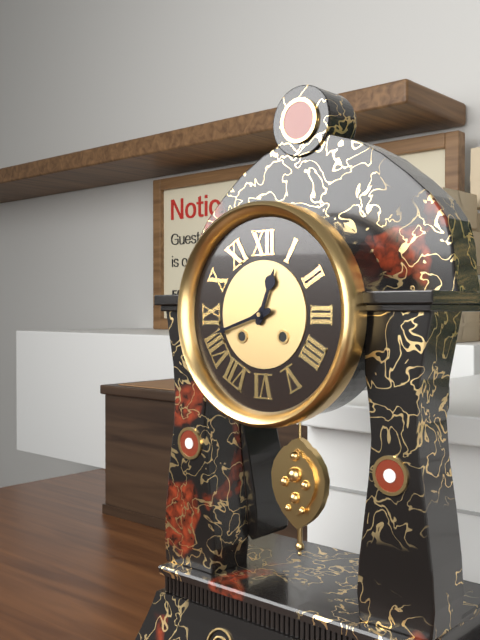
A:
12 h 42 min
